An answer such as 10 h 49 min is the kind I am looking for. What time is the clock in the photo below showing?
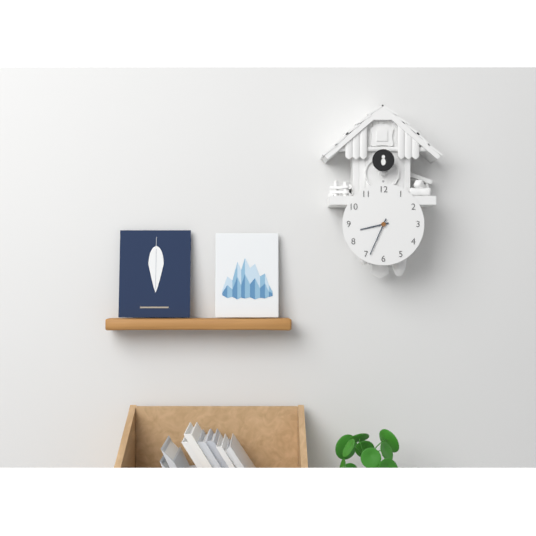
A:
8 h 34 min
